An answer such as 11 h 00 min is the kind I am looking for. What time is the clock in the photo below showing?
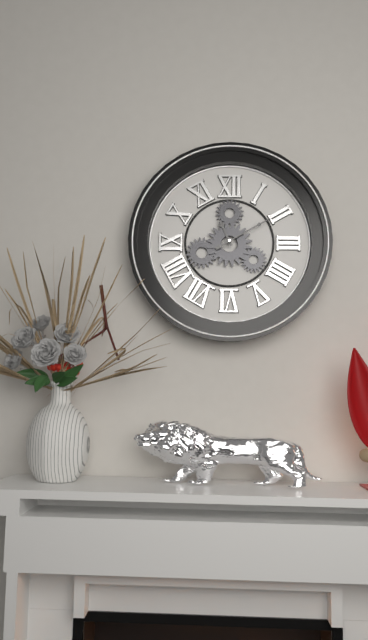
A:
11 h 10 min
